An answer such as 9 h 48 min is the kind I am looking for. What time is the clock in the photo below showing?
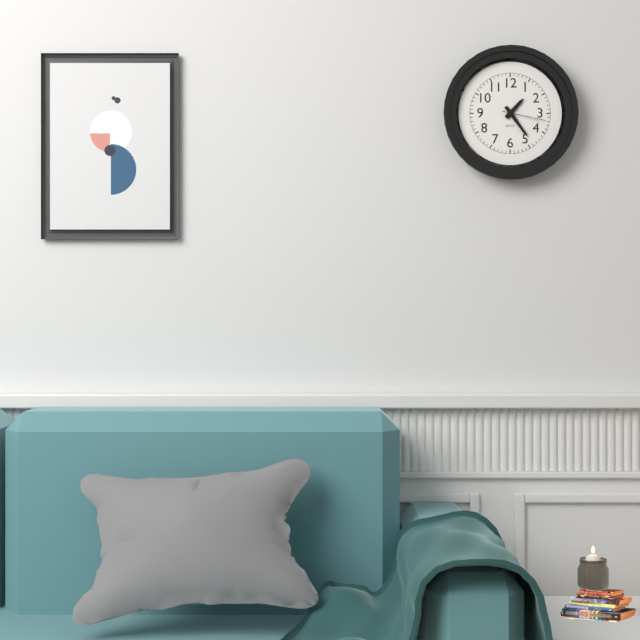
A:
1 h 24 min
